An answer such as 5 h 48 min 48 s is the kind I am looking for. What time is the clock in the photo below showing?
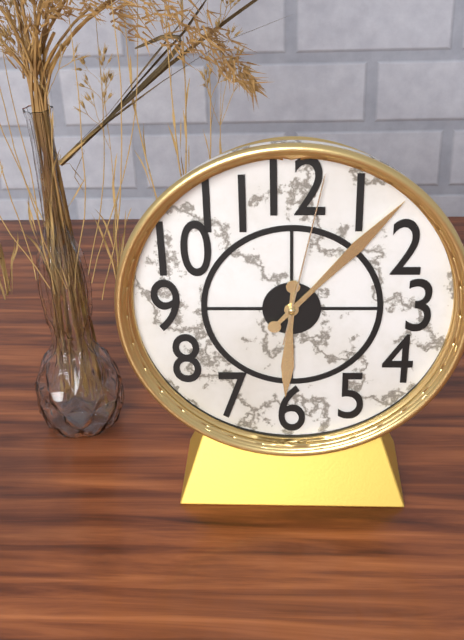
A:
6 h 07 min 02 s
